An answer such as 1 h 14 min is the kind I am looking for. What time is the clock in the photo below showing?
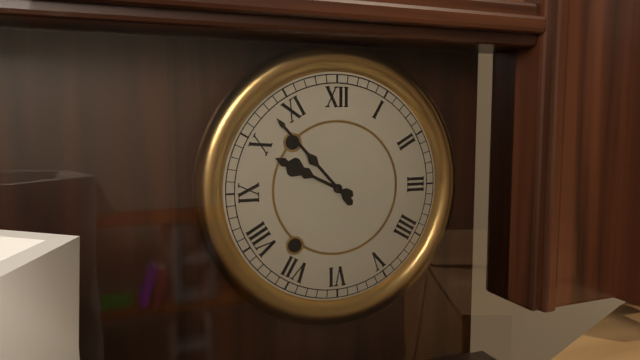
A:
9 h 53 min
